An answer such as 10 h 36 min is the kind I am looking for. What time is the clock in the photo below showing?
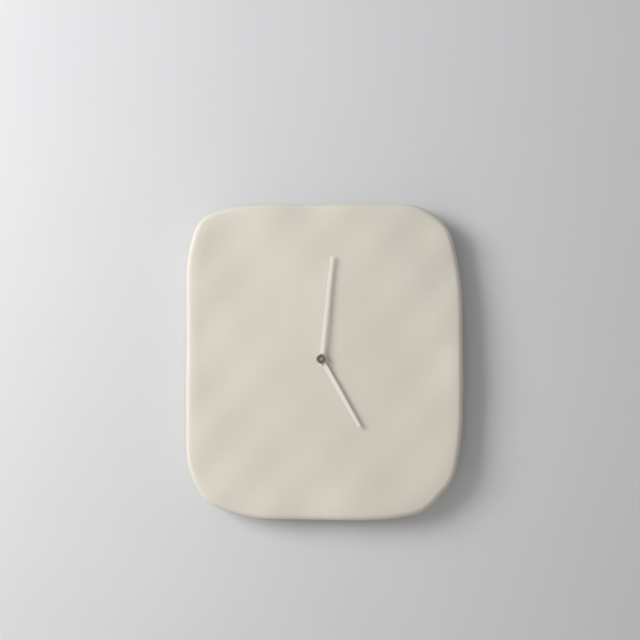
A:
5 h 01 min
